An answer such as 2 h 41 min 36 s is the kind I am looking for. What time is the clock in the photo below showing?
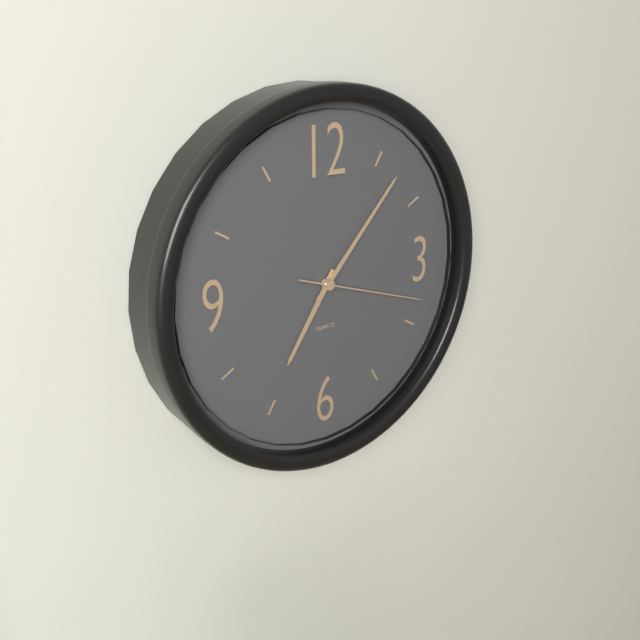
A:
7 h 07 min 18 s
